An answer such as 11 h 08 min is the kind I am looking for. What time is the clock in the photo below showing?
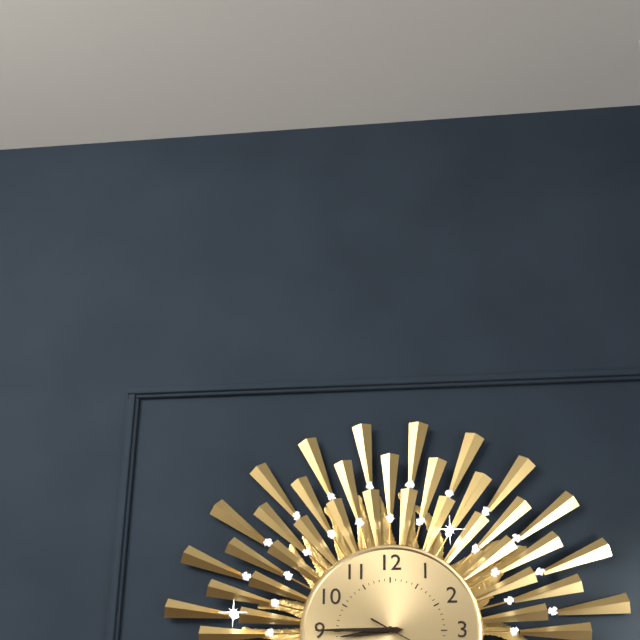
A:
8 h 45 min
